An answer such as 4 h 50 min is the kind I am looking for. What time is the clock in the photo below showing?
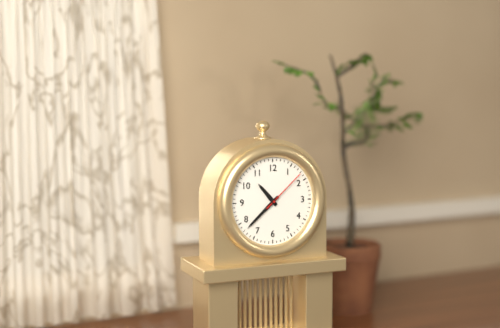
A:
10 h 38 min
